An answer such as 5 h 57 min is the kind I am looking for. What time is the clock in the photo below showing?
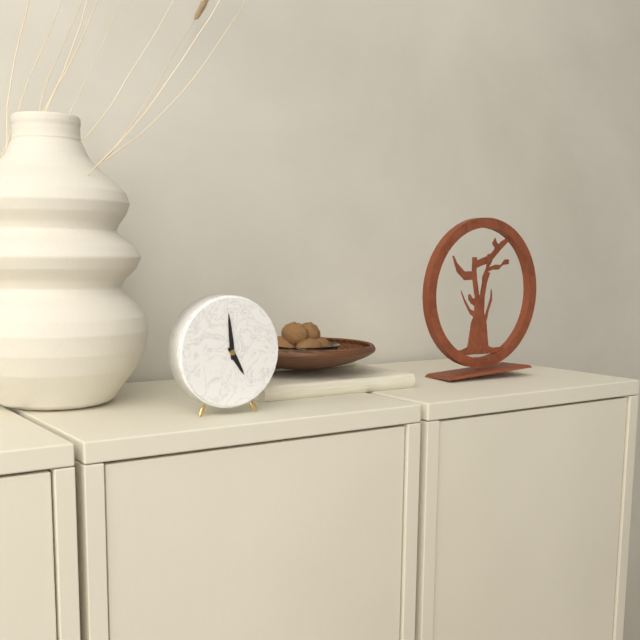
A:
4 h 59 min
